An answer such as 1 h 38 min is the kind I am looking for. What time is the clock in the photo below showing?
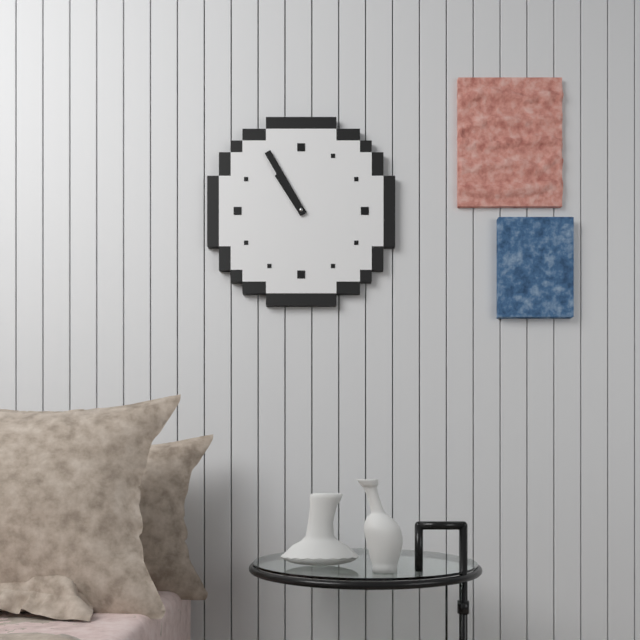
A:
10 h 55 min
